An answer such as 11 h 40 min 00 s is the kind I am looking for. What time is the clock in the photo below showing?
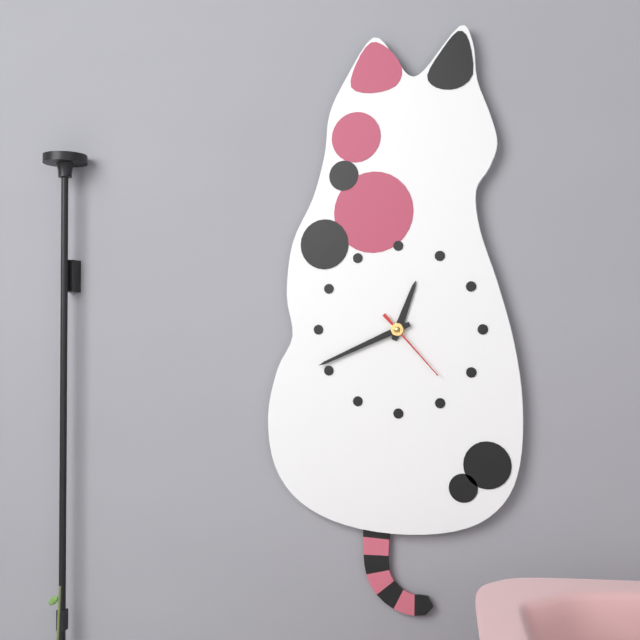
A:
12 h 41 min 23 s
